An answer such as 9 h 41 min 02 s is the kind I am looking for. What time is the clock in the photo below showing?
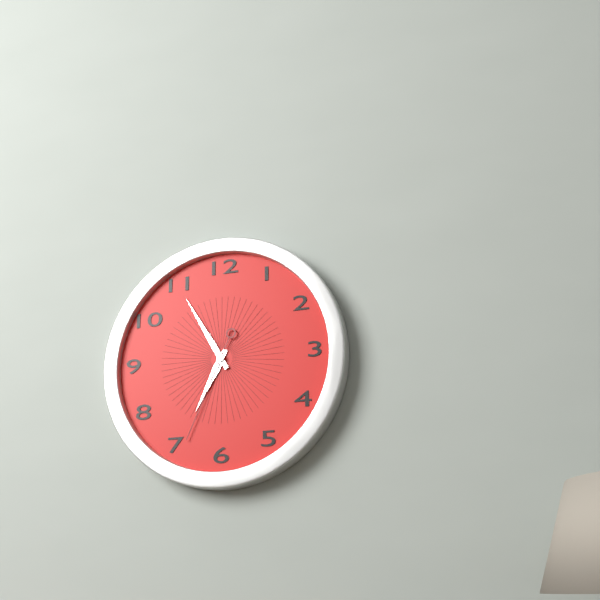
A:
6 h 55 min 34 s
